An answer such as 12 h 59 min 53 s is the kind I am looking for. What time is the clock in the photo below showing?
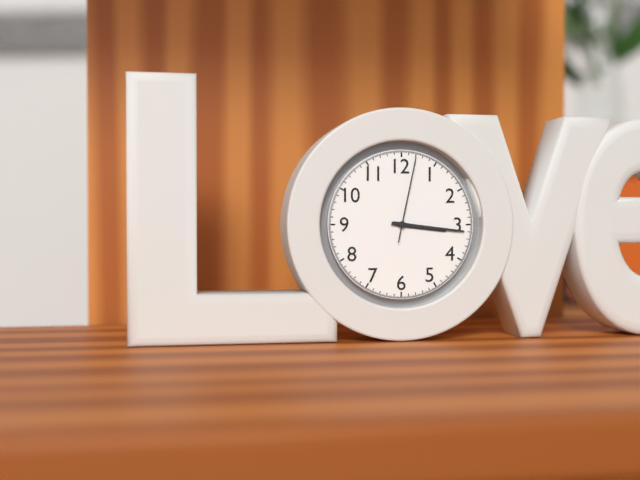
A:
3 h 16 min 02 s
